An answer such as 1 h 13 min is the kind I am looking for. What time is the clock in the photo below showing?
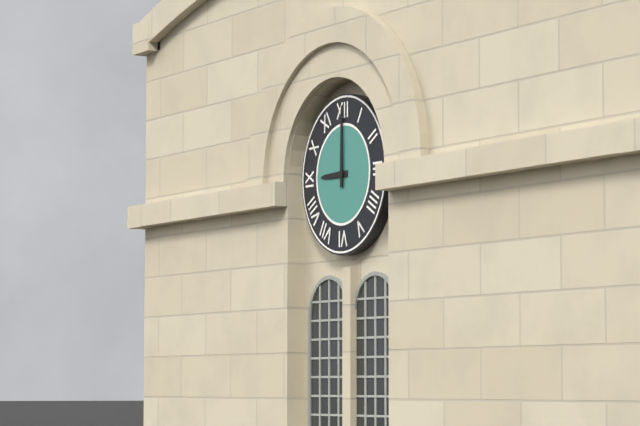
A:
9 h 00 min
